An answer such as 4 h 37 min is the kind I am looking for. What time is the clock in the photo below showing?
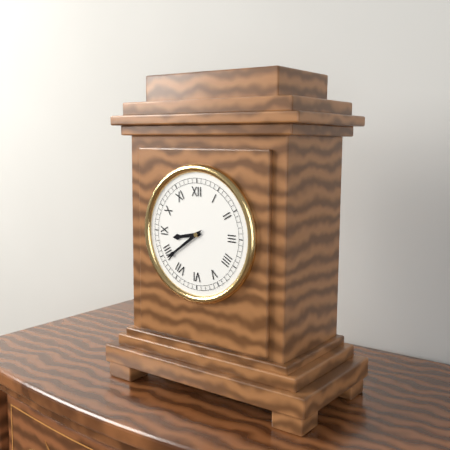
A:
8 h 39 min
